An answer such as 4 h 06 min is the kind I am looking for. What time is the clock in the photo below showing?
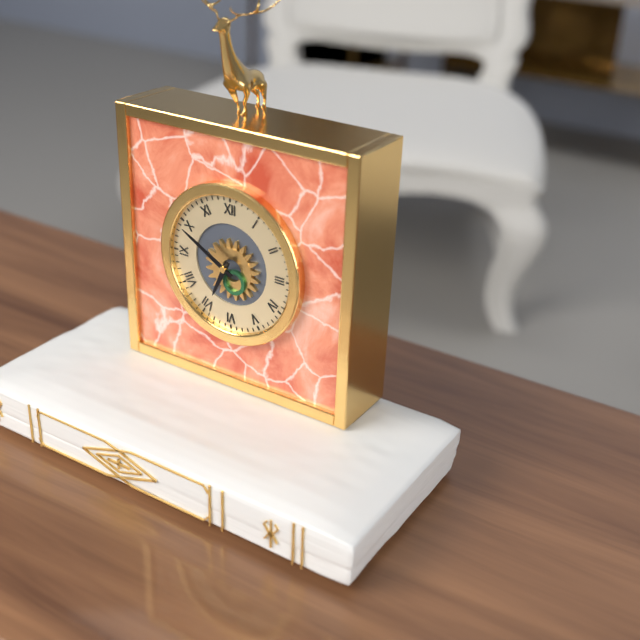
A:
6 h 50 min
